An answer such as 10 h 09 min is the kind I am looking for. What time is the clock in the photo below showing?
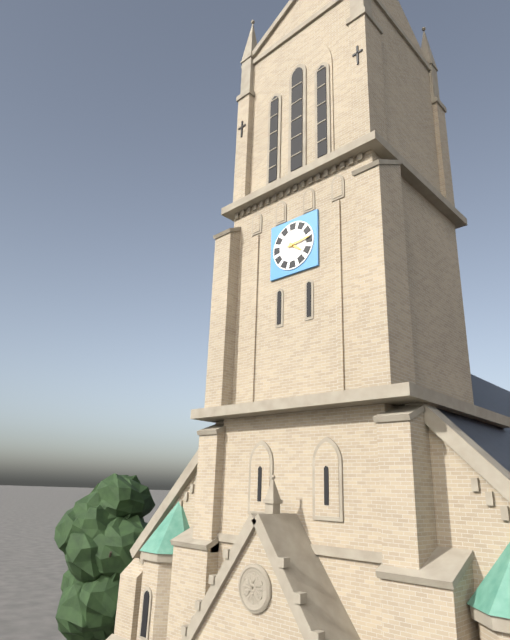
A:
4 h 14 min
